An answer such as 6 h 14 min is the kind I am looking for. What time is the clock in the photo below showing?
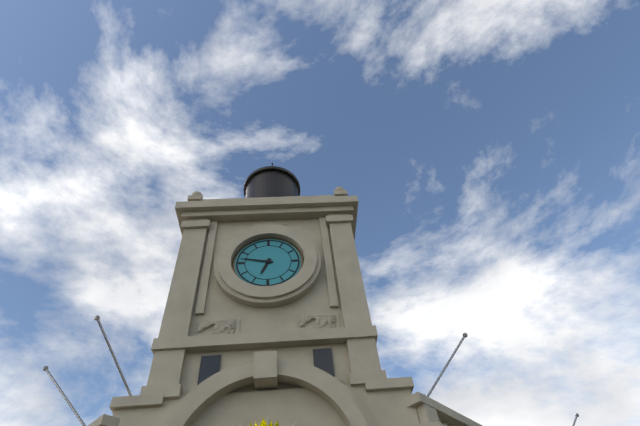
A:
6 h 47 min
